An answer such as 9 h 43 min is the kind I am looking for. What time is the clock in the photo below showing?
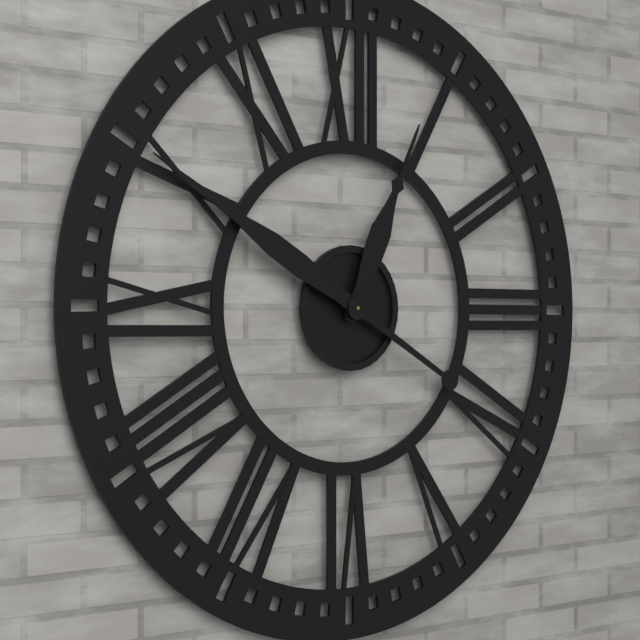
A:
12 h 50 min
